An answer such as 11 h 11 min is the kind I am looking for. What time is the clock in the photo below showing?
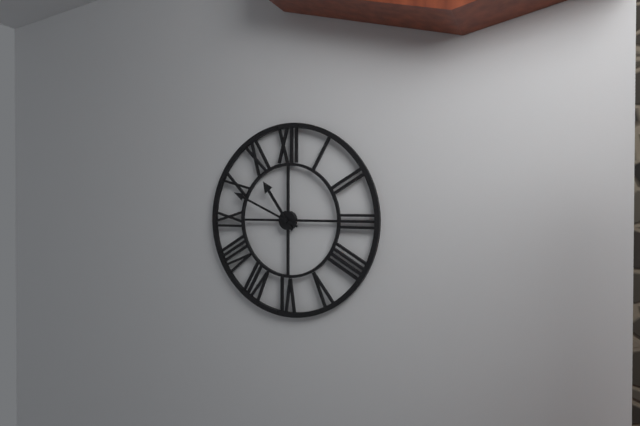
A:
10 h 49 min
